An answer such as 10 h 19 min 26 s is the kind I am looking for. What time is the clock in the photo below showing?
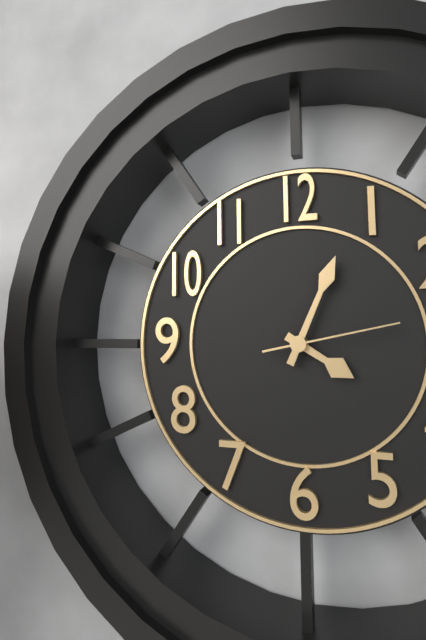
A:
4 h 04 min 13 s
